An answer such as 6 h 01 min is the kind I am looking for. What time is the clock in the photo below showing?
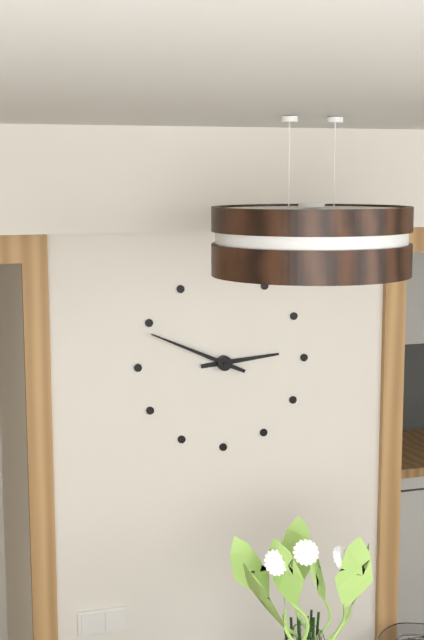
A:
2 h 49 min
